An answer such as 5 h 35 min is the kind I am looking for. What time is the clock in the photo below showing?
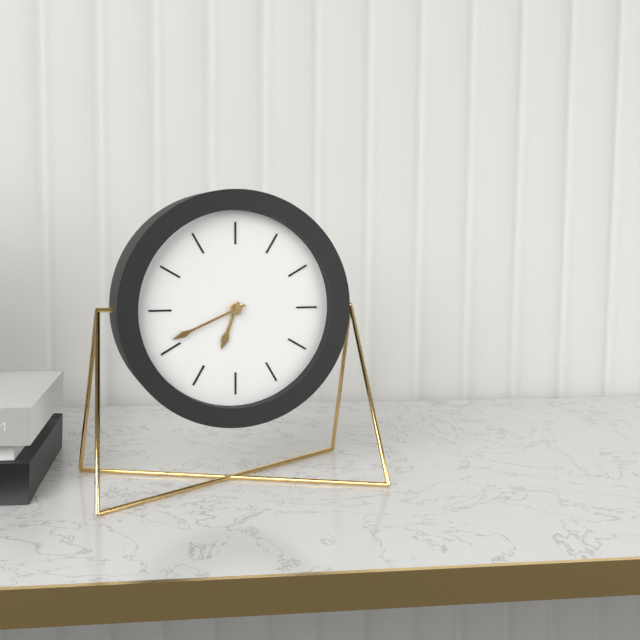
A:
6 h 41 min
